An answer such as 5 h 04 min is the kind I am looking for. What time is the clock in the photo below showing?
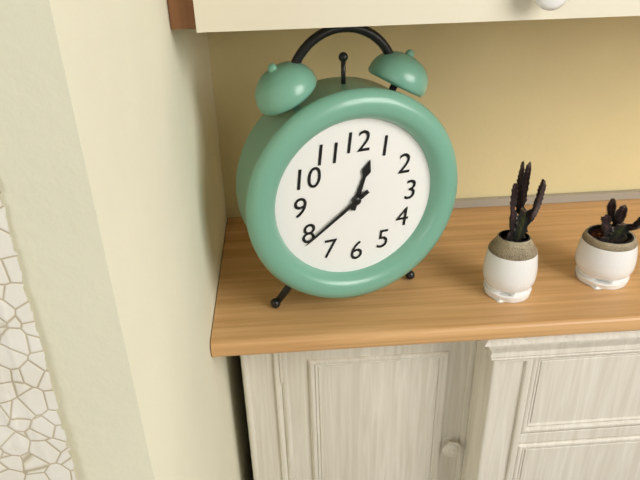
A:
12 h 39 min
